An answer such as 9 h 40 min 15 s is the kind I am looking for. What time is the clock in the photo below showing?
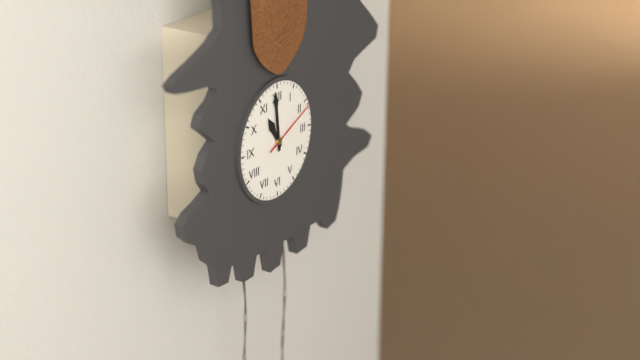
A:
10 h 59 min 11 s
